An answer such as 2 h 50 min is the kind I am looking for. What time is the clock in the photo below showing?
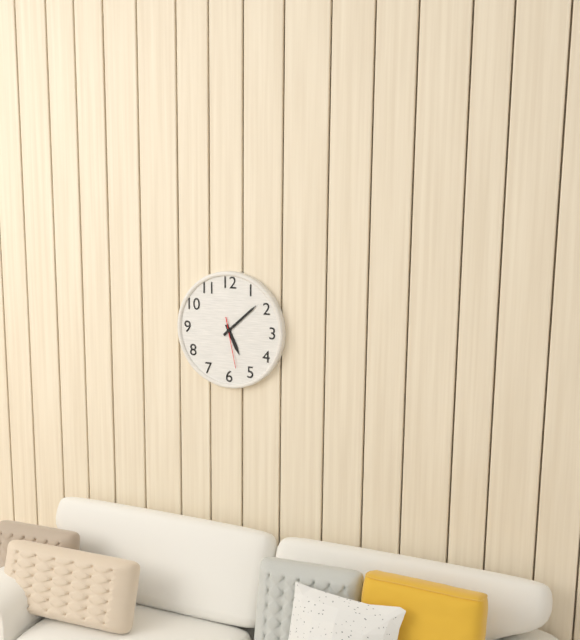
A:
5 h 08 min
